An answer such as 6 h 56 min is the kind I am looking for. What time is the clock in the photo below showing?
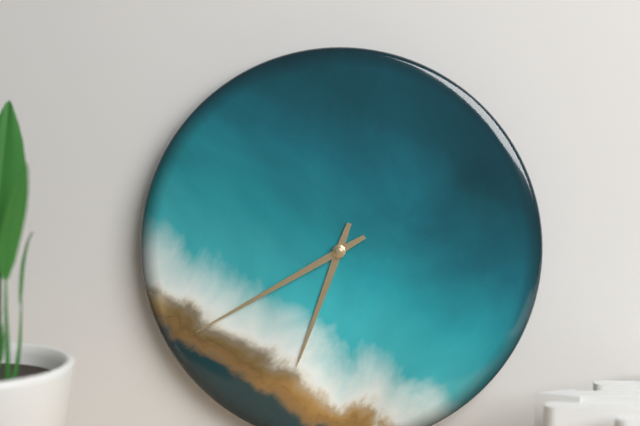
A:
6 h 40 min
